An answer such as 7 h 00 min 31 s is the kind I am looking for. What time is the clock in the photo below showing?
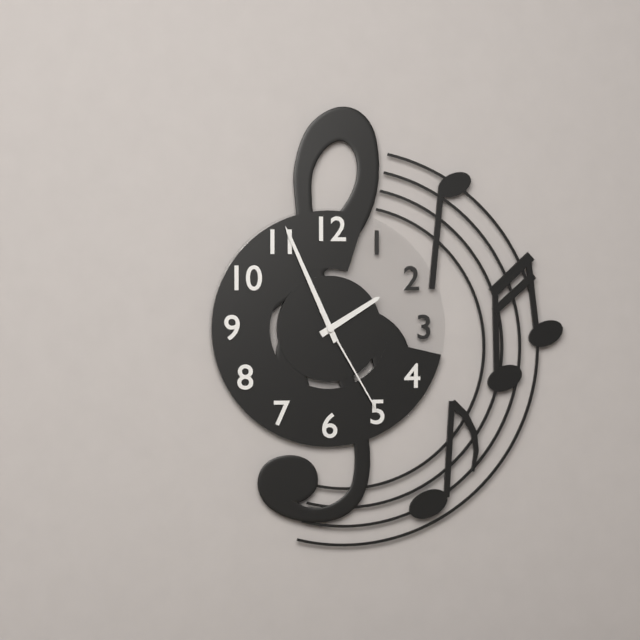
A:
1 h 56 min 25 s
